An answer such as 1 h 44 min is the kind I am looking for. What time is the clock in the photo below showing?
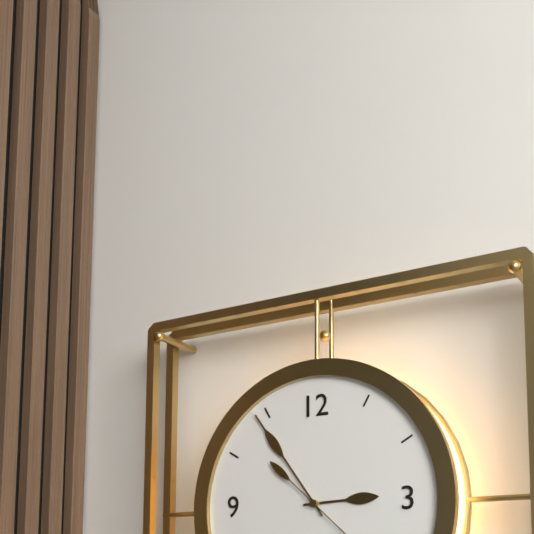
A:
2 h 54 min
